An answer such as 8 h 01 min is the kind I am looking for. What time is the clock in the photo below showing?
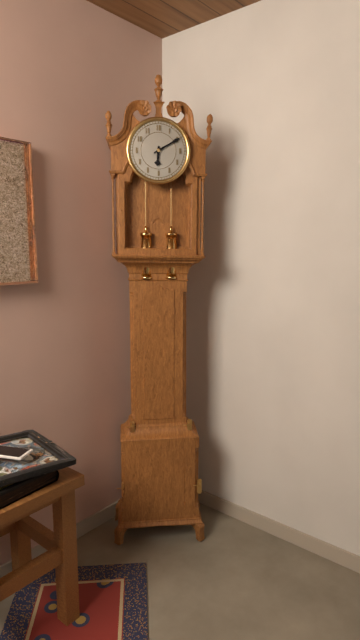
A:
6 h 10 min
